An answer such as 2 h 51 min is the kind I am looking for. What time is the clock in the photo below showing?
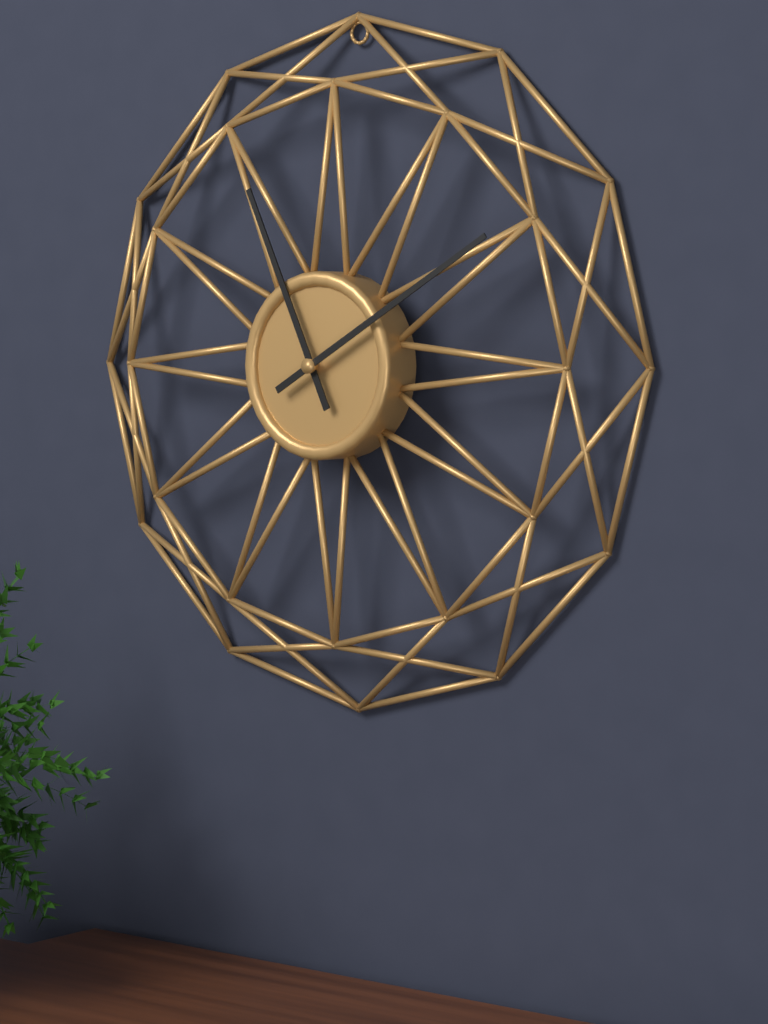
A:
11 h 10 min
